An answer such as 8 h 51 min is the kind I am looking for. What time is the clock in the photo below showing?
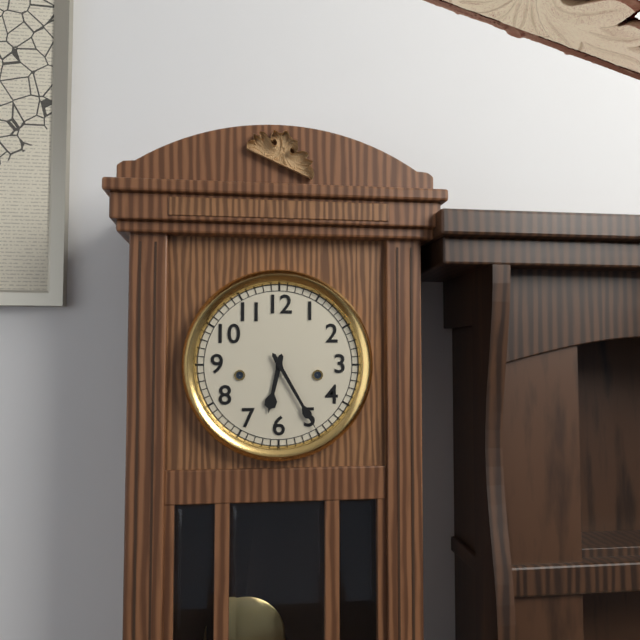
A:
6 h 25 min
